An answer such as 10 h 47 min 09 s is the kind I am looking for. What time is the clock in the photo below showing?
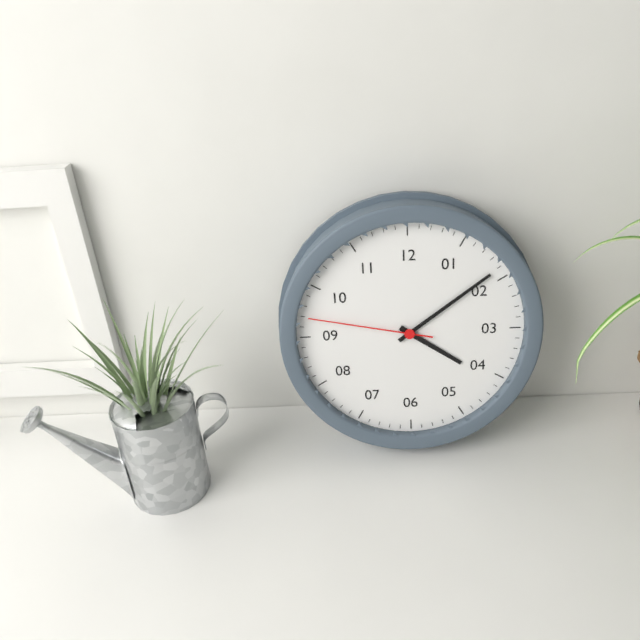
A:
4 h 09 min 47 s
